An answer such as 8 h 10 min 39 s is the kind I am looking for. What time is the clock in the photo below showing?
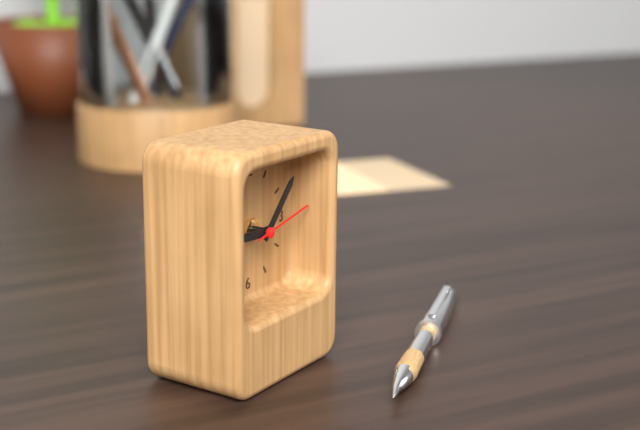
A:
9 h 07 min 13 s
